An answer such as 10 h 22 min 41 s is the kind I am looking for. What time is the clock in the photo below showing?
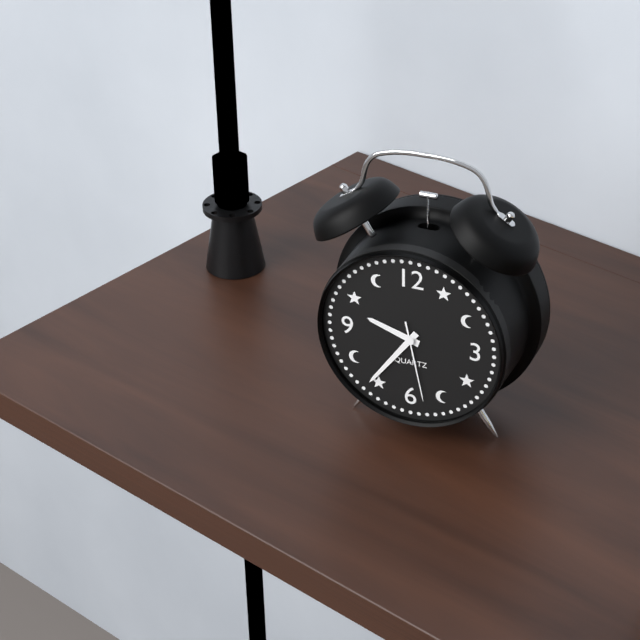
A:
9 h 36 min 28 s
